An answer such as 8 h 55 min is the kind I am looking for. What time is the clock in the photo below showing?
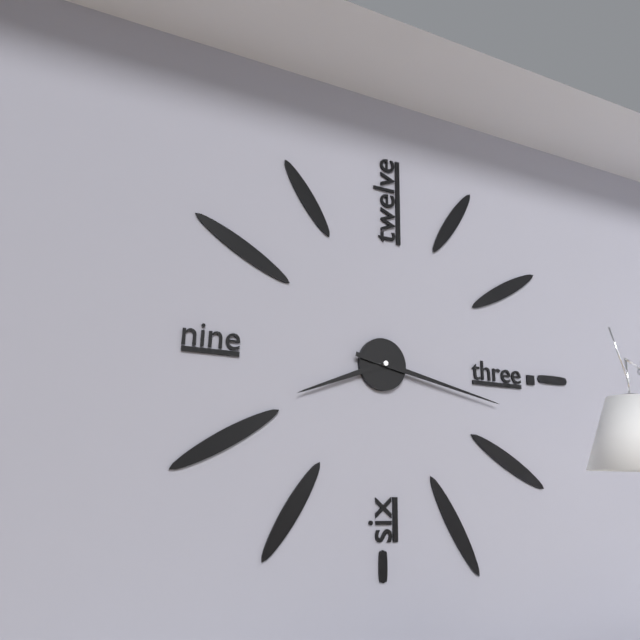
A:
8 h 17 min
